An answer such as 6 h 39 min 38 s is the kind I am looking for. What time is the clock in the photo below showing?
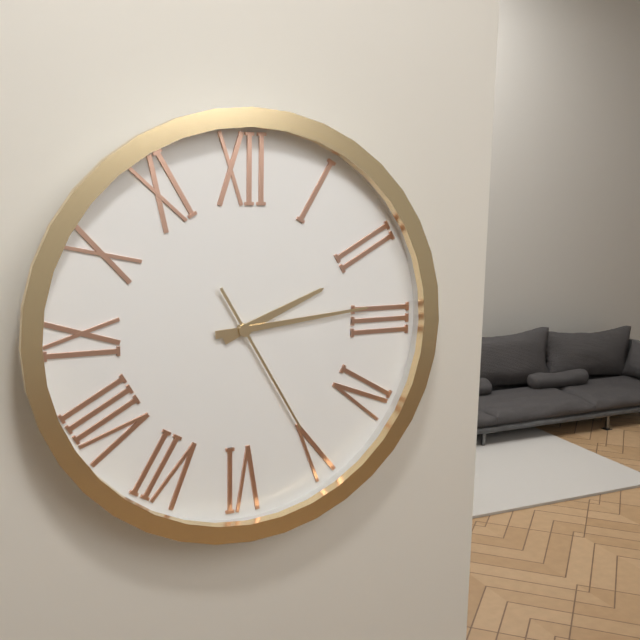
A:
2 h 14 min 25 s
